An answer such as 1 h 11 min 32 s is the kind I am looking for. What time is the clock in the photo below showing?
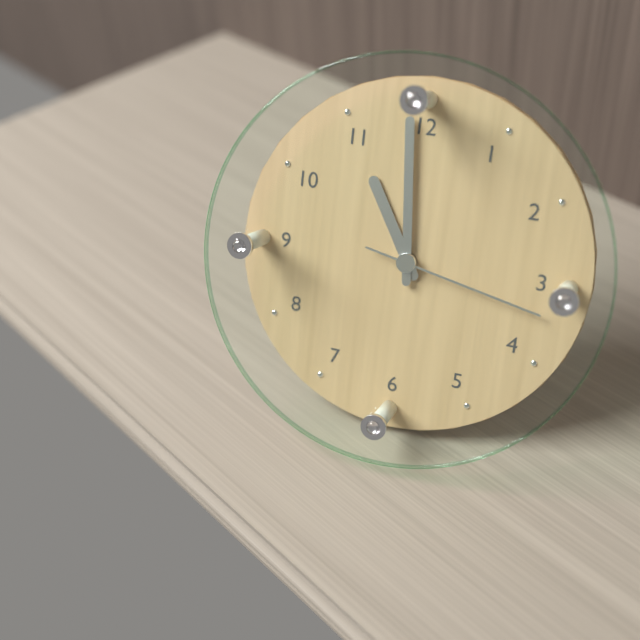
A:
10 h 59 min 17 s
